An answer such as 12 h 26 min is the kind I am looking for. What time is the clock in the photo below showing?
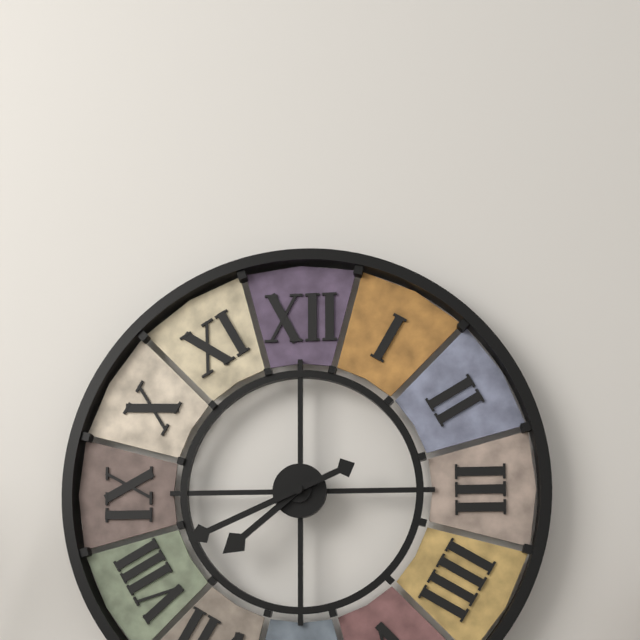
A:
7 h 41 min
